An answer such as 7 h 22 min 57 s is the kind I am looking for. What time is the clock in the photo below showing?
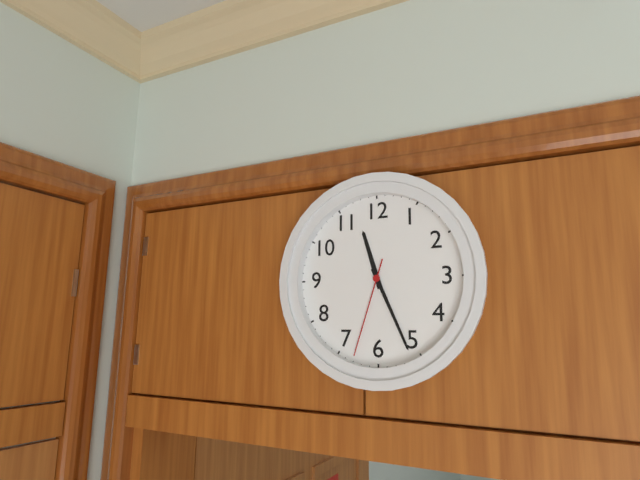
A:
11 h 26 min 33 s
